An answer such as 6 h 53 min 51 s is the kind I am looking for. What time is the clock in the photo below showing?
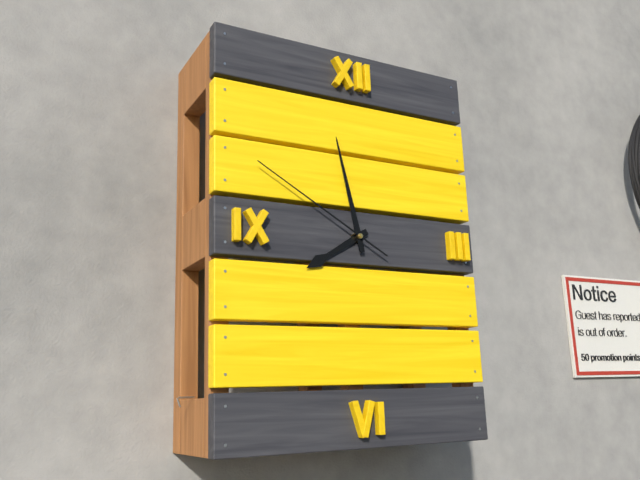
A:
7 h 58 min 50 s
